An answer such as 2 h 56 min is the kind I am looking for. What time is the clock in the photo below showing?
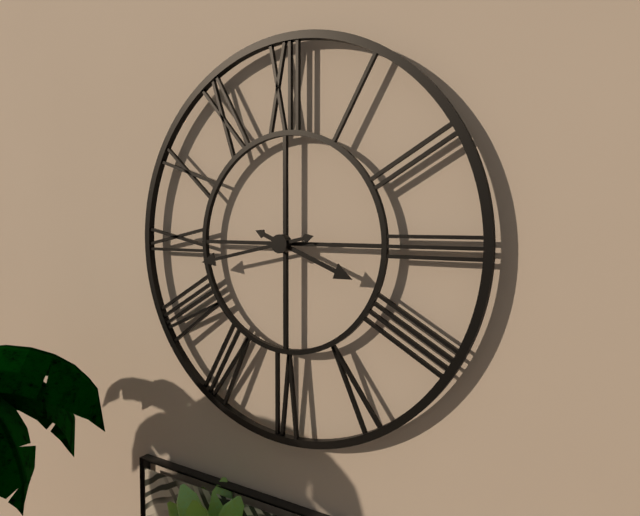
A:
3 h 43 min
